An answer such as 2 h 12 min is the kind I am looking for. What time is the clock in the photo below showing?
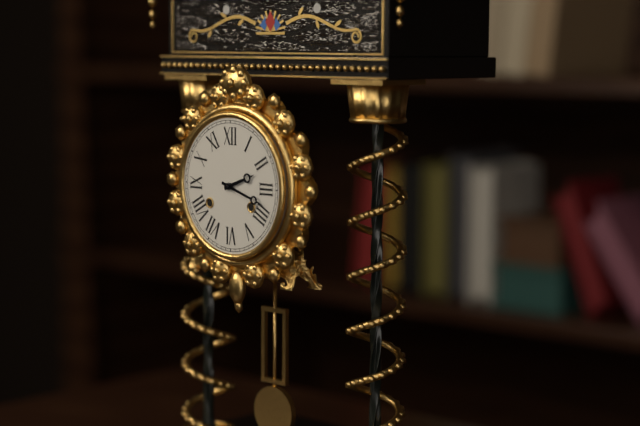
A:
2 h 18 min
